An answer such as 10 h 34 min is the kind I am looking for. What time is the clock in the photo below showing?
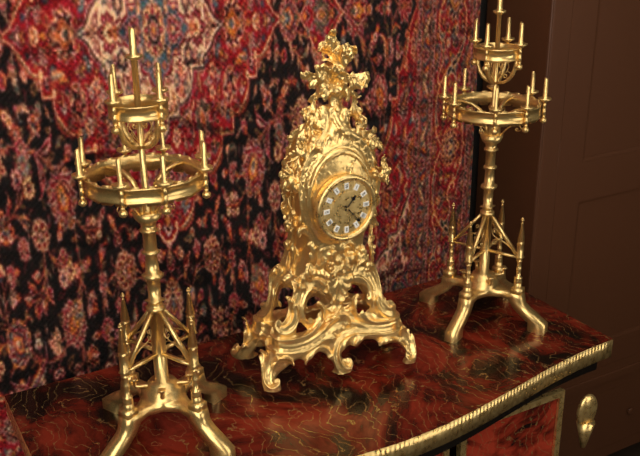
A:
1 h 23 min
